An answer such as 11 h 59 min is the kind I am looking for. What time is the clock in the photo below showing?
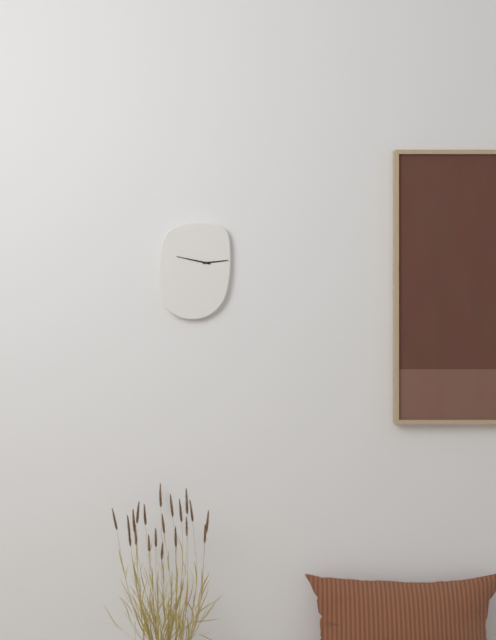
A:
2 h 47 min
